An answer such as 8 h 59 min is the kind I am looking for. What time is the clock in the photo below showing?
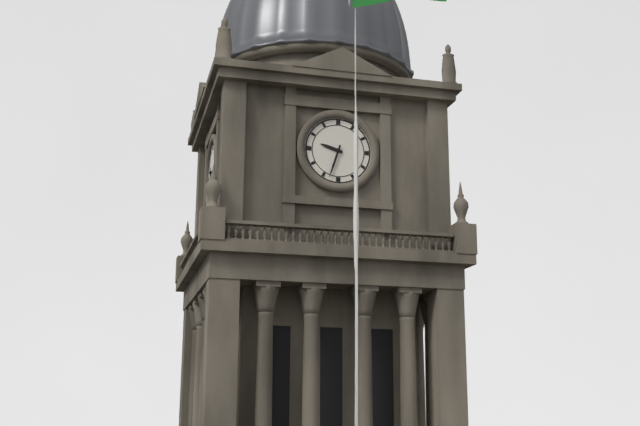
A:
9 h 33 min
